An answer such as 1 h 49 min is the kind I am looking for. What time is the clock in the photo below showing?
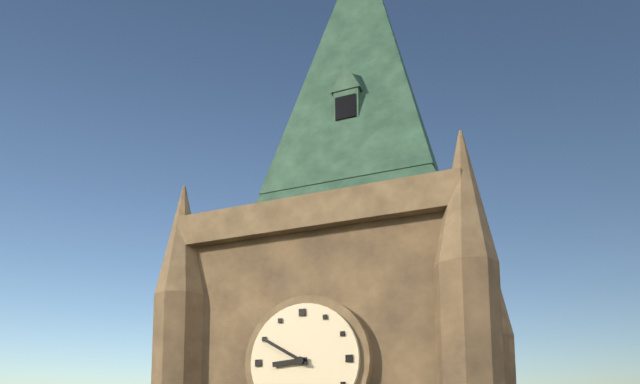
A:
8 h 50 min
